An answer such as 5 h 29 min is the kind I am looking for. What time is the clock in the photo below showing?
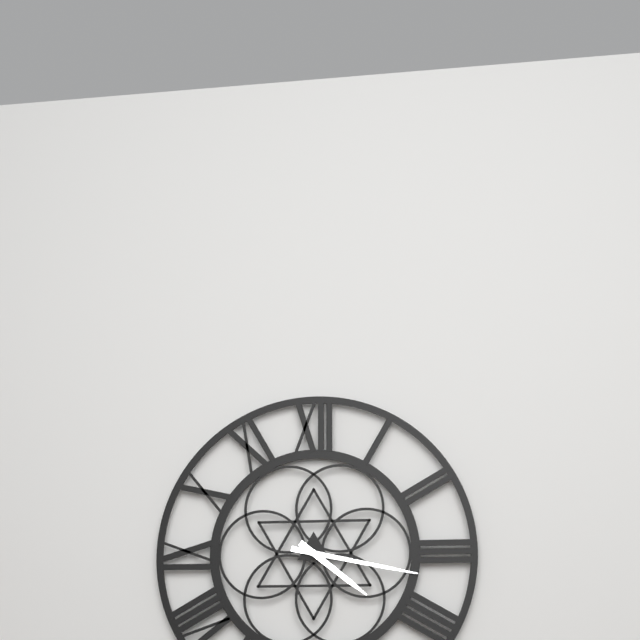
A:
4 h 17 min
